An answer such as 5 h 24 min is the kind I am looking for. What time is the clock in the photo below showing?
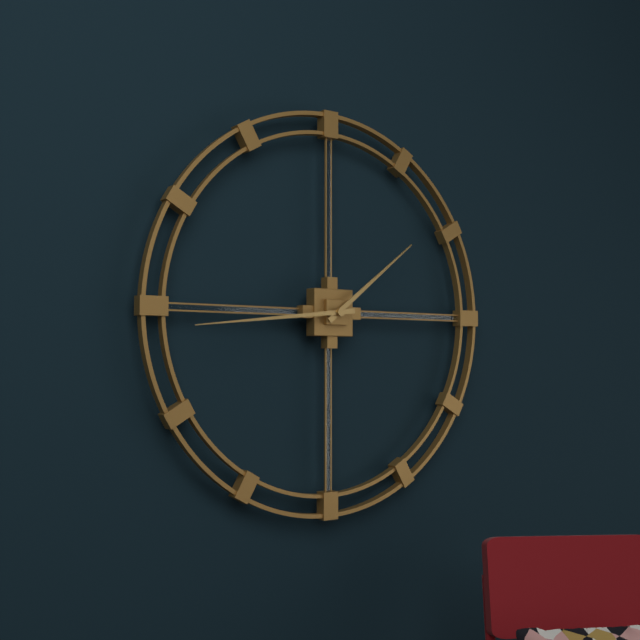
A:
1 h 44 min
